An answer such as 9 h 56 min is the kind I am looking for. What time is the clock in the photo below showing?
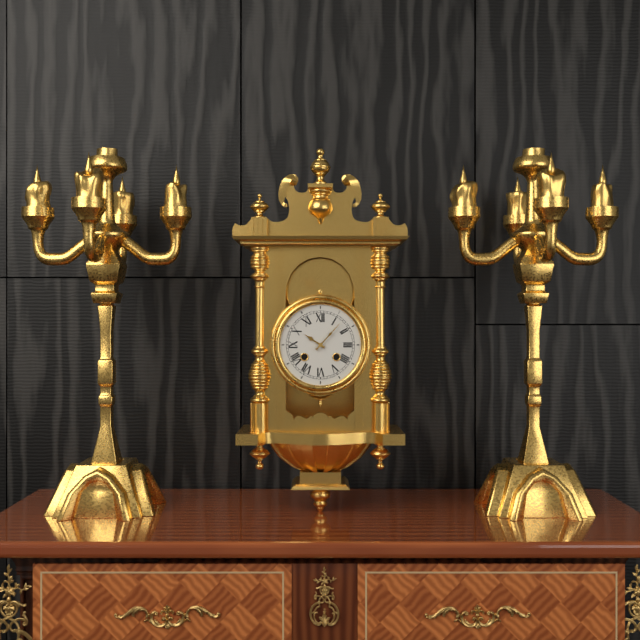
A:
10 h 07 min
